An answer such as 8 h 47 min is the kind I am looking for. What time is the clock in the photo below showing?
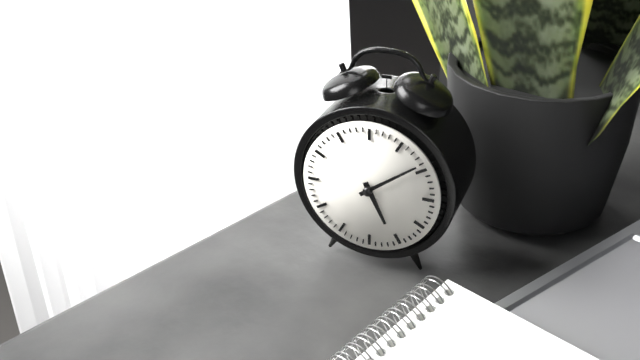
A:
5 h 09 min
